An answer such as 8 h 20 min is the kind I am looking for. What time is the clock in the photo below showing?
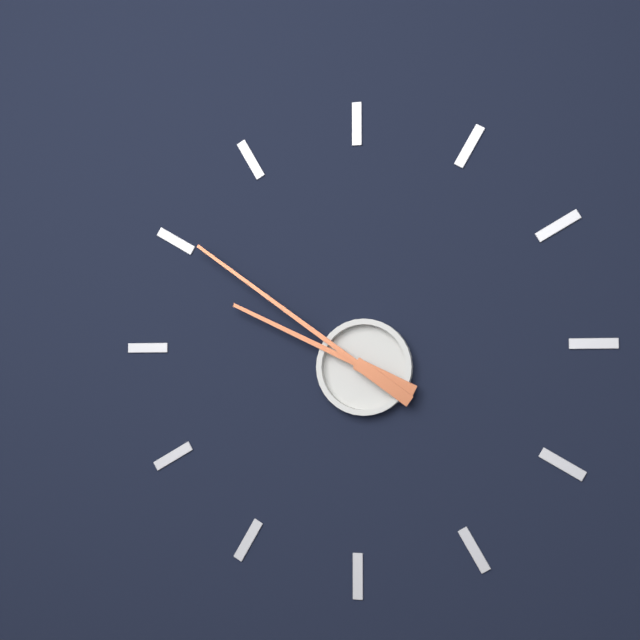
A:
9 h 51 min
